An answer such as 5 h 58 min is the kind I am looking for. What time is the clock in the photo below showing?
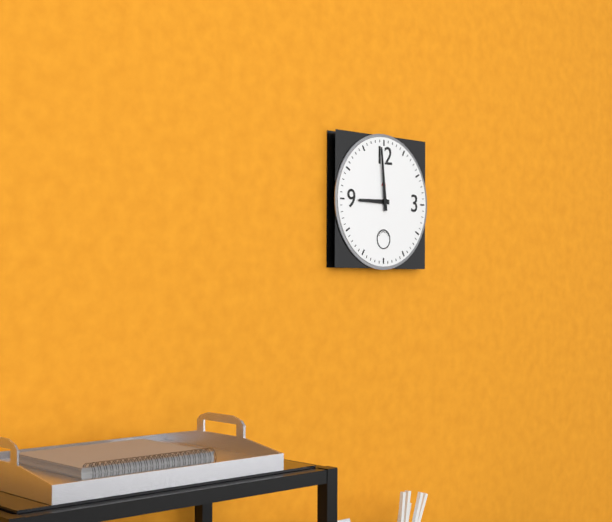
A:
8 h 59 min
